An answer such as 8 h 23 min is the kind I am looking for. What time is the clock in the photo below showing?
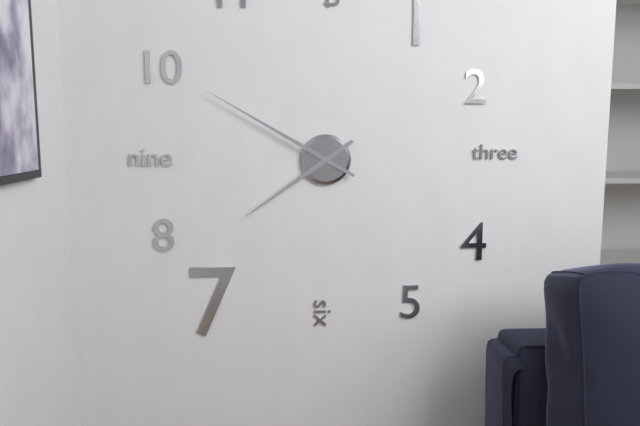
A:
7 h 50 min
